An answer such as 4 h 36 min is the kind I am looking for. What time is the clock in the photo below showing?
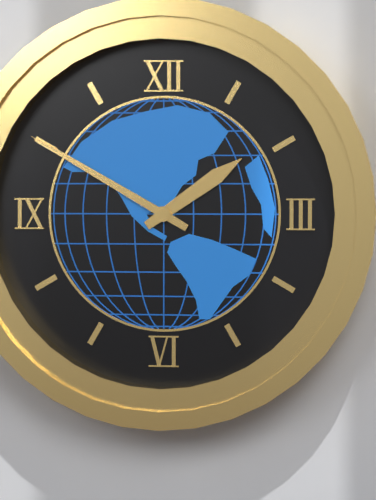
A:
1 h 50 min
